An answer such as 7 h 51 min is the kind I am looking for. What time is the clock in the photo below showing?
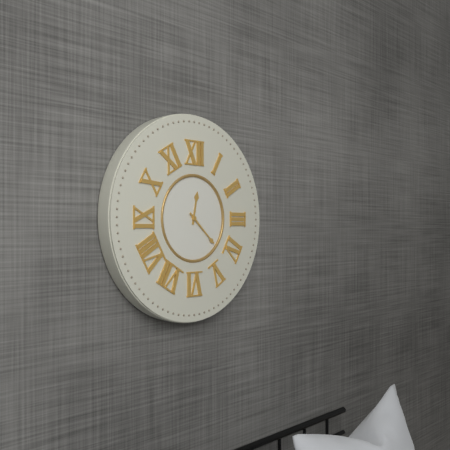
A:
12 h 22 min
